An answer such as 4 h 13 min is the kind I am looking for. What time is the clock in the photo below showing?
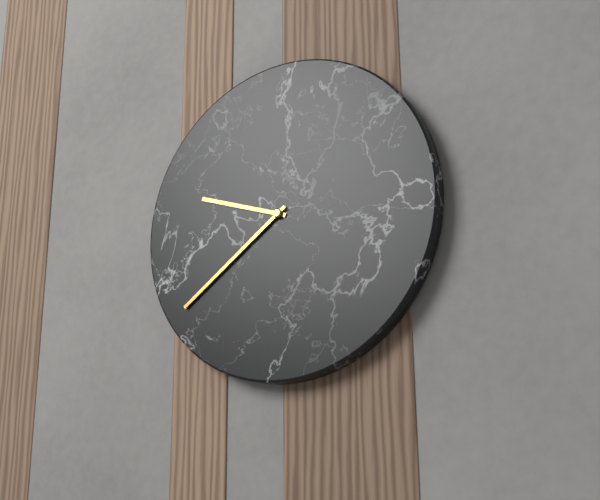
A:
9 h 39 min
